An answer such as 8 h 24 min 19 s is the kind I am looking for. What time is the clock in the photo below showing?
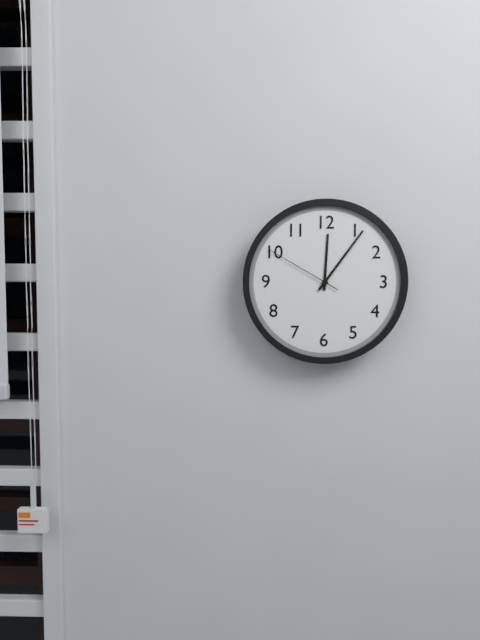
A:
12 h 06 min 50 s
